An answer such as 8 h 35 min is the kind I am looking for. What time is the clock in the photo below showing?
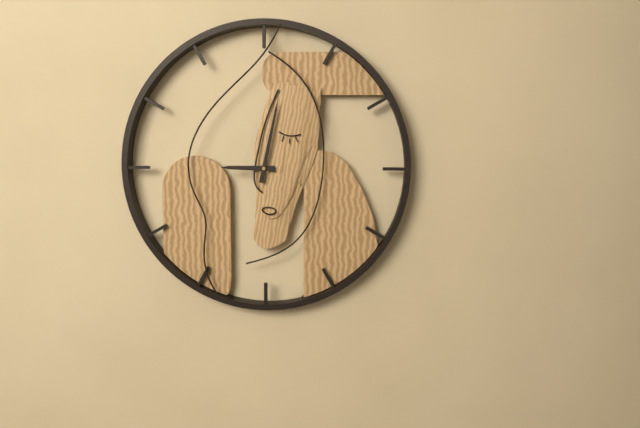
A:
9 h 02 min
